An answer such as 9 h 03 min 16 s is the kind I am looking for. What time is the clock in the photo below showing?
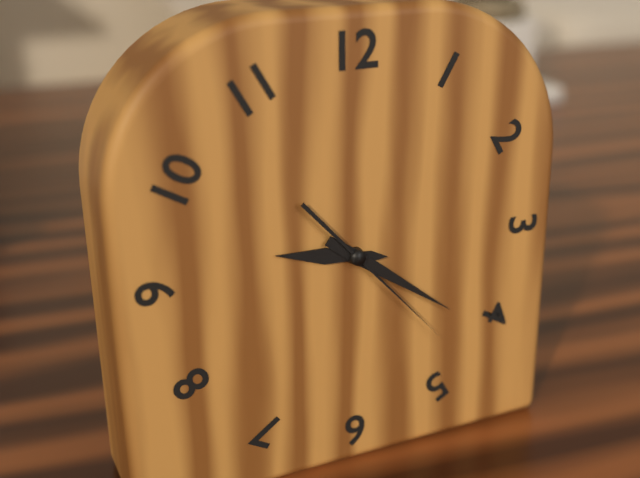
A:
9 h 21 min 23 s
